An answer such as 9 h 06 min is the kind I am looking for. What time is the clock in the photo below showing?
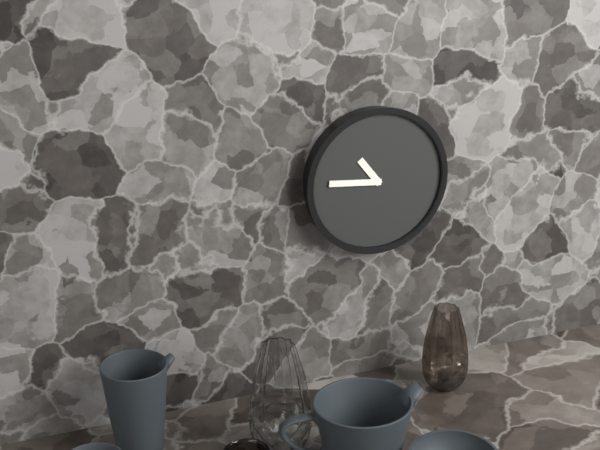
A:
10 h 46 min
